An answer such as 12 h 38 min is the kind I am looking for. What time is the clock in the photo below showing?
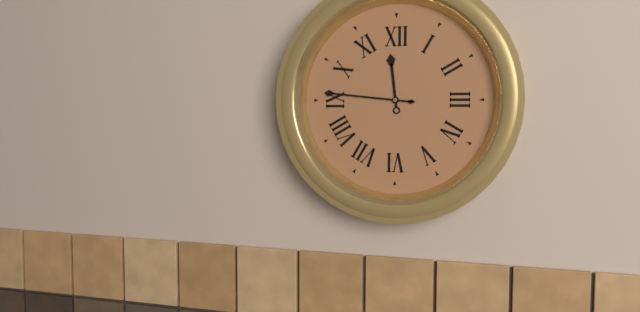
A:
11 h 46 min
